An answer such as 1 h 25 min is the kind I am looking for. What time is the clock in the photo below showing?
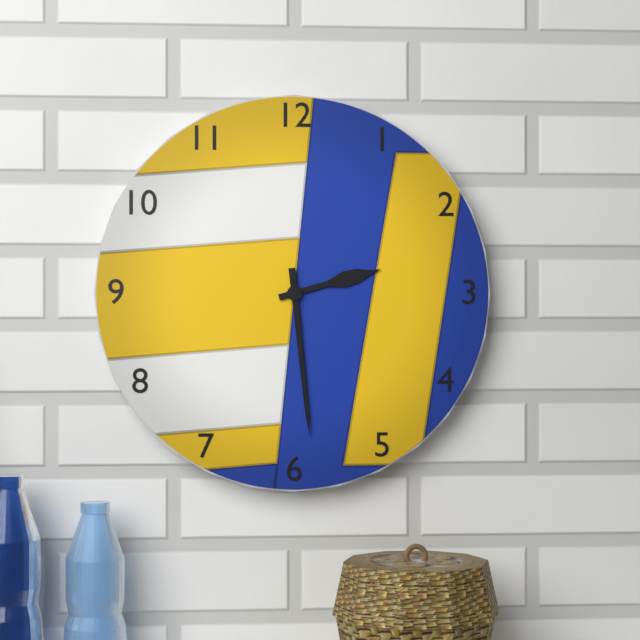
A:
2 h 29 min
